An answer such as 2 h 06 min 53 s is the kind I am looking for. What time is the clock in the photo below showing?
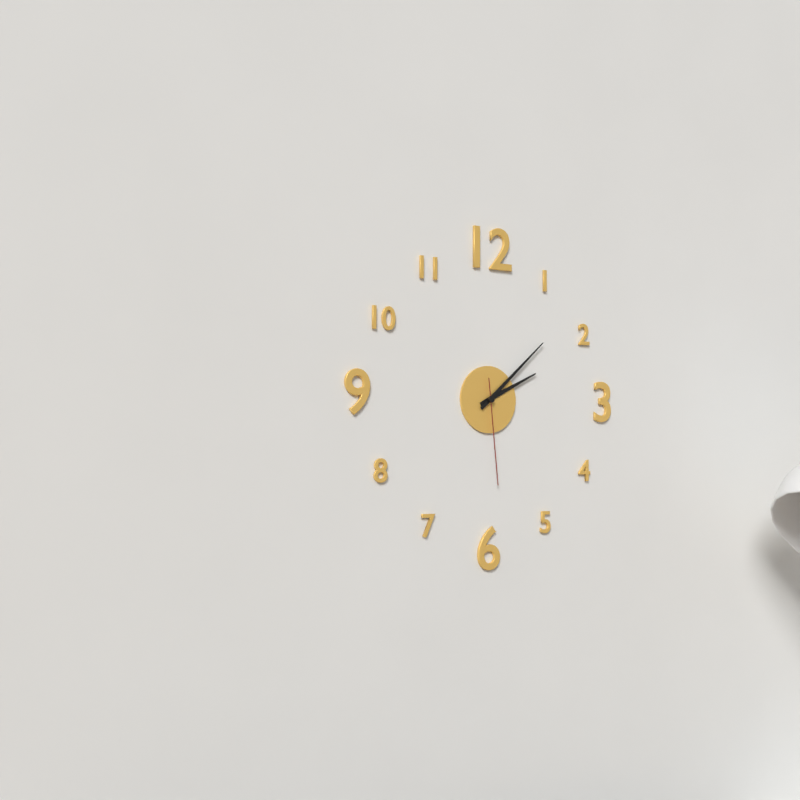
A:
2 h 08 min 29 s
